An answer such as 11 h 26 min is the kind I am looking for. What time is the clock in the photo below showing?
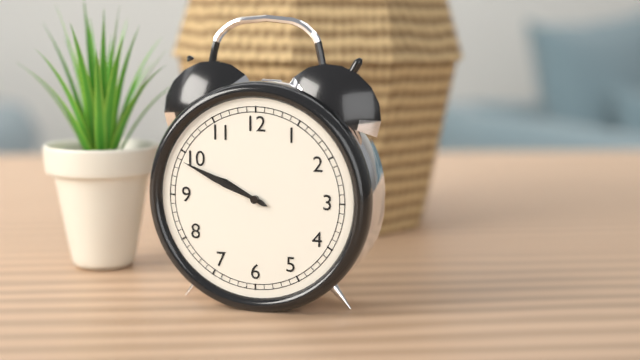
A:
9 h 49 min
